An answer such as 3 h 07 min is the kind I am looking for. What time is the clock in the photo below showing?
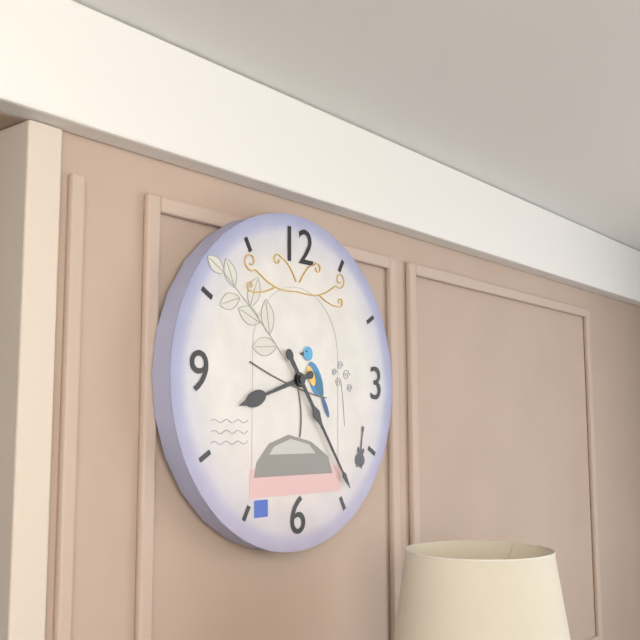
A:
8 h 24 min
